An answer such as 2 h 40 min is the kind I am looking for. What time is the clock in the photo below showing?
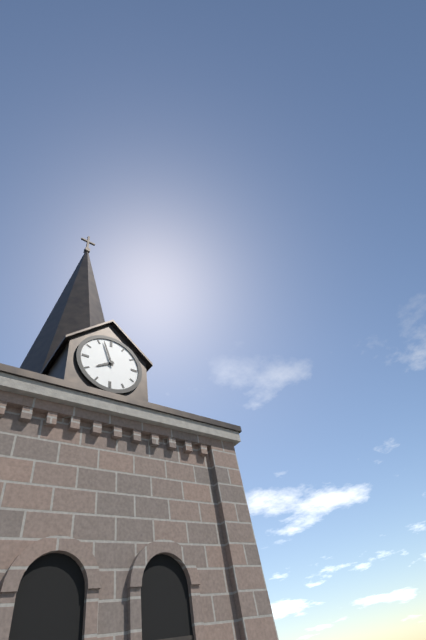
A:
7 h 57 min
